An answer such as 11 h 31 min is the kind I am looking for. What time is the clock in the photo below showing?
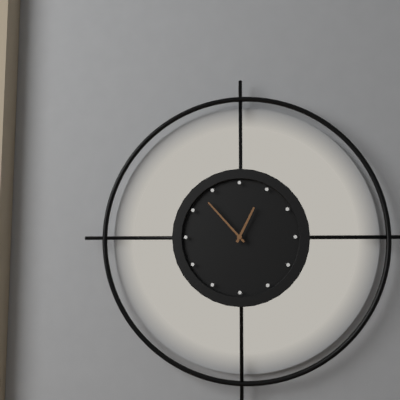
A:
12 h 53 min
